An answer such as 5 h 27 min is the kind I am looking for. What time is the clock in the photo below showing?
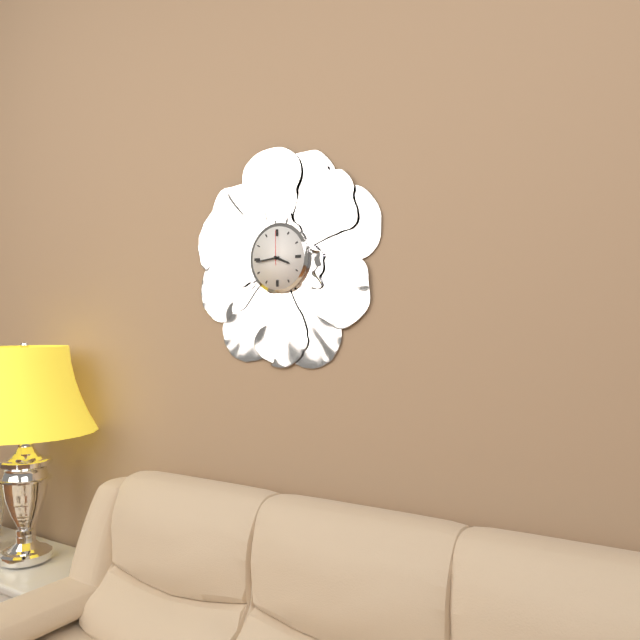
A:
3 h 44 min
